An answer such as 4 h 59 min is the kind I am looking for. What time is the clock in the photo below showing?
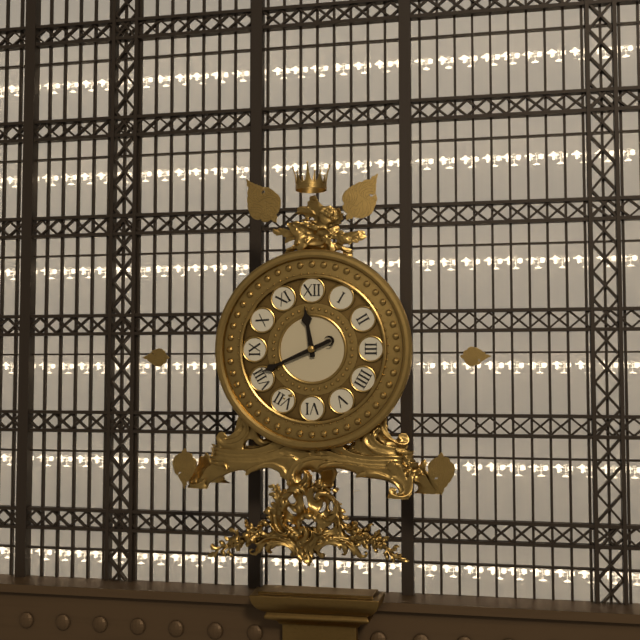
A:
11 h 41 min
